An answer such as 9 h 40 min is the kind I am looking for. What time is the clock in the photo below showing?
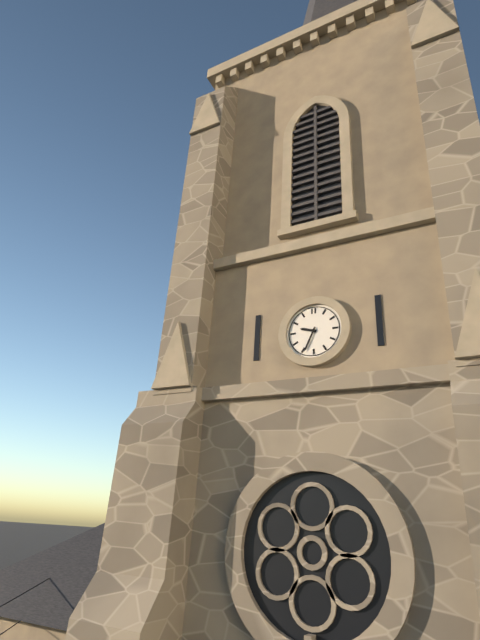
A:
9 h 34 min
